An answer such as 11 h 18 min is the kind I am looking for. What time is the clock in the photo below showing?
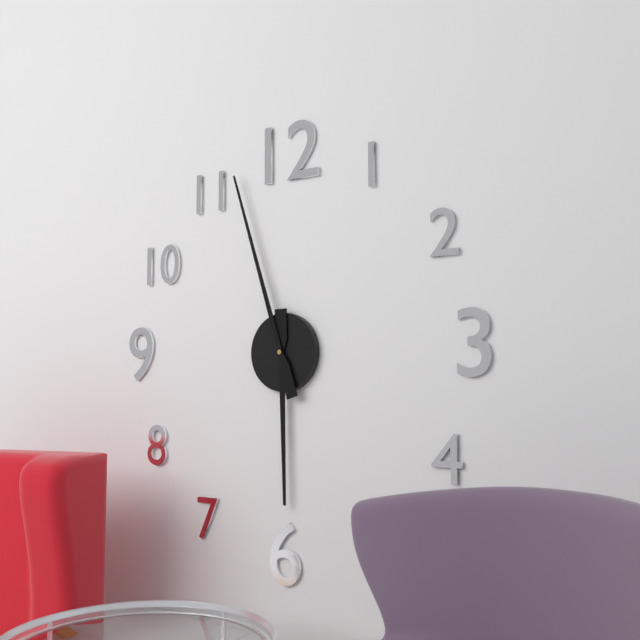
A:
5 h 57 min
